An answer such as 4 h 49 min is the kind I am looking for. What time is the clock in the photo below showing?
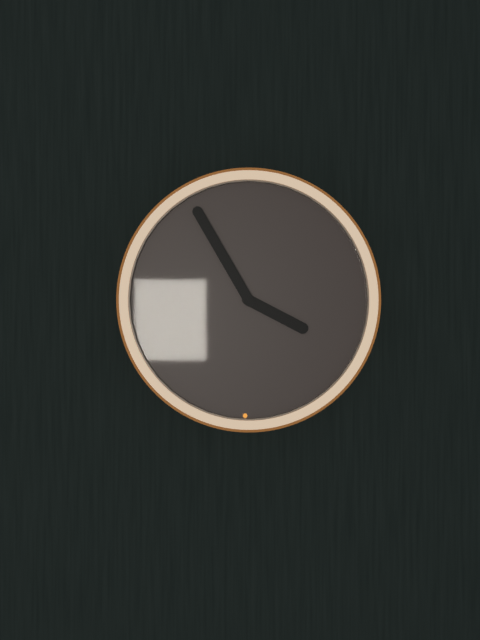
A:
3 h 55 min
